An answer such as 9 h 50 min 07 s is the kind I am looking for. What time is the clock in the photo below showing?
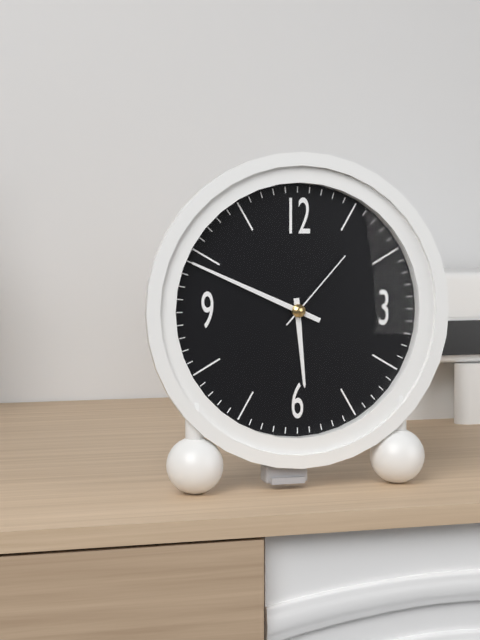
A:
5 h 49 min 07 s
